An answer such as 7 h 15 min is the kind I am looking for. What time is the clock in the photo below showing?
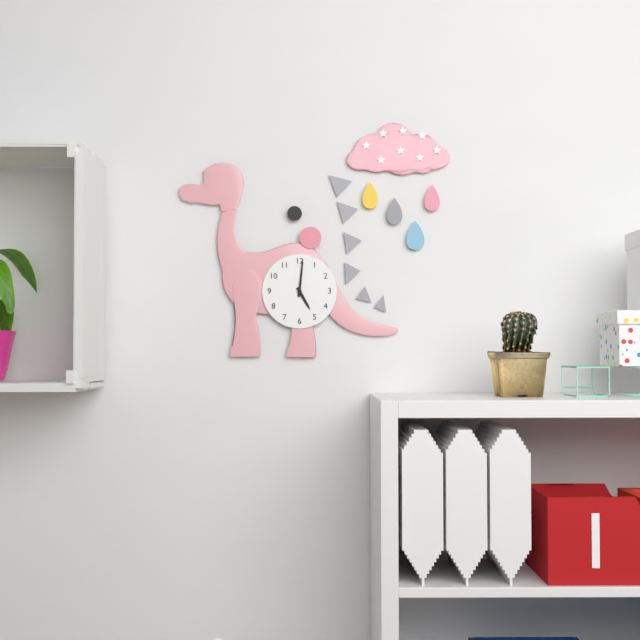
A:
5 h 01 min
